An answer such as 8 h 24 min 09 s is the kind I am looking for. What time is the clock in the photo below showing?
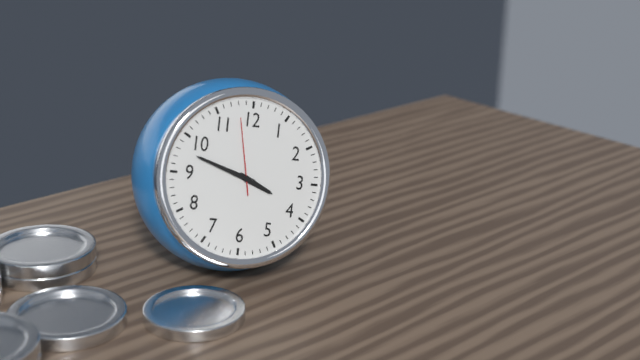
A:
3 h 48 min 58 s
